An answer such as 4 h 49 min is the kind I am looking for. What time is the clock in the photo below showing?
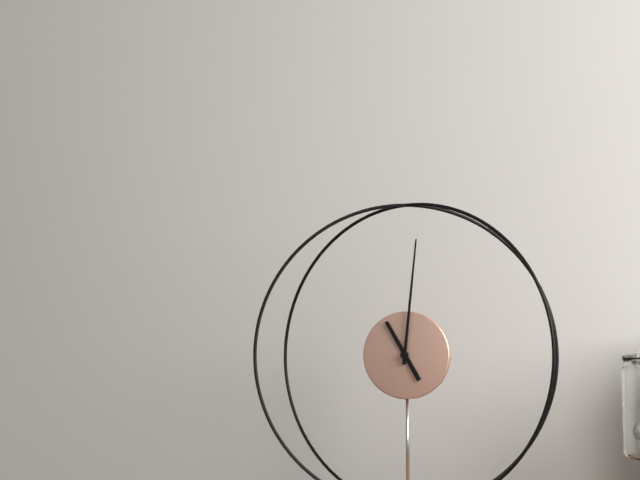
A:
11 h 01 min
